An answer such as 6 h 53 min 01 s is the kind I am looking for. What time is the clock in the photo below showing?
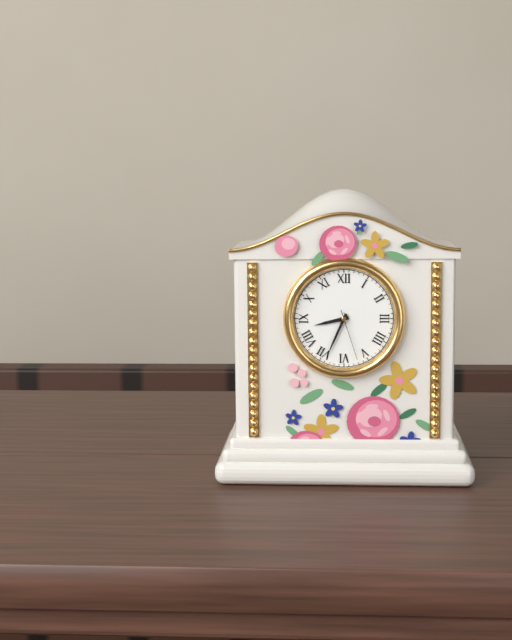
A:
8 h 34 min 27 s
